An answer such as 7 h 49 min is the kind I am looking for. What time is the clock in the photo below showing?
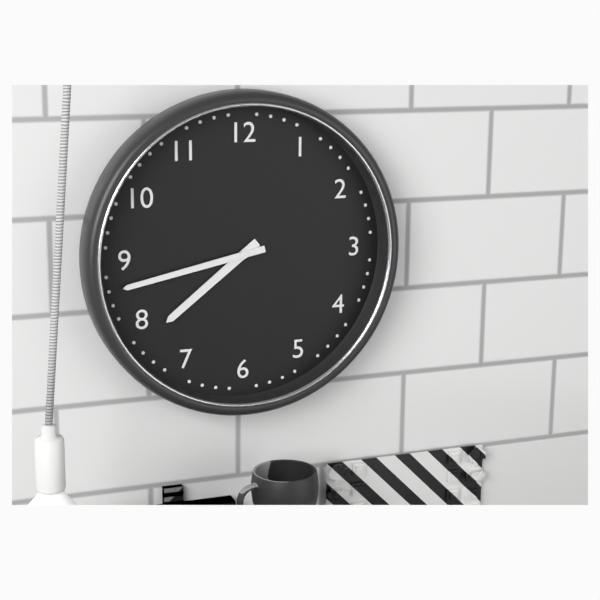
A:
7 h 43 min
